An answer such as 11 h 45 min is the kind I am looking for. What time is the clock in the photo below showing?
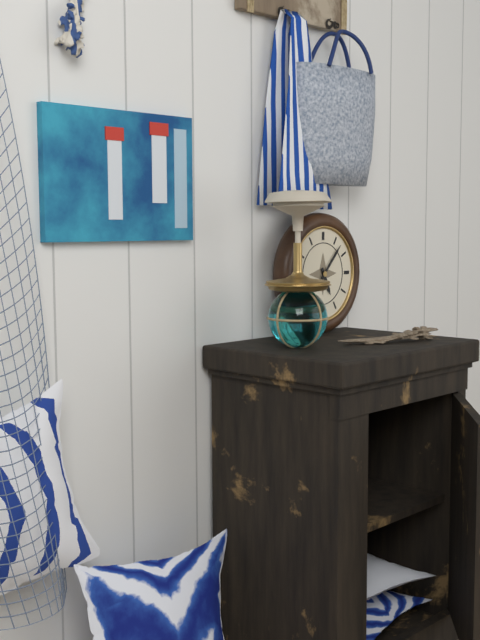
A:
5 h 07 min
